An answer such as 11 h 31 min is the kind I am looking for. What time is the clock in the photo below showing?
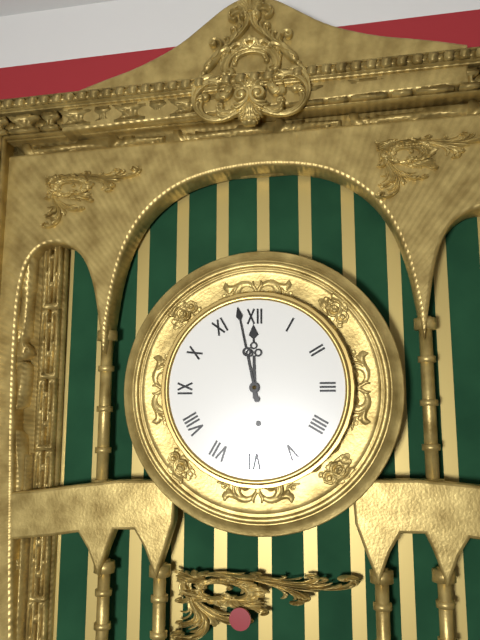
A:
11 h 58 min
